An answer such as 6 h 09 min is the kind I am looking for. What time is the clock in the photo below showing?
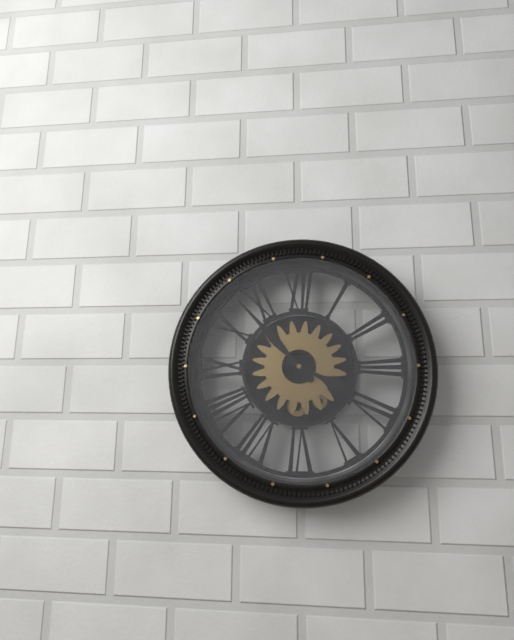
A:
3 h 53 min
